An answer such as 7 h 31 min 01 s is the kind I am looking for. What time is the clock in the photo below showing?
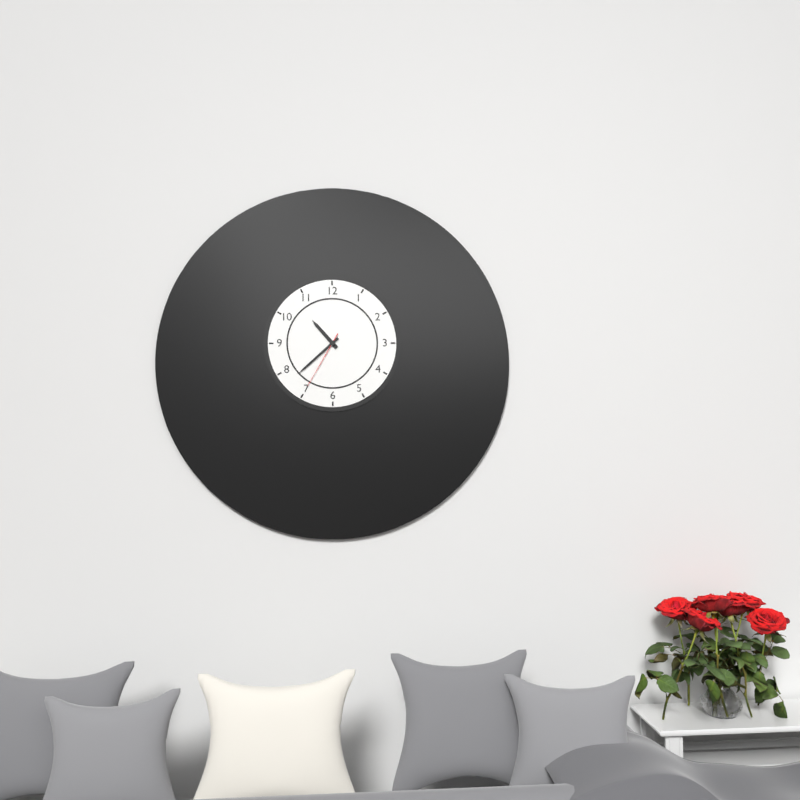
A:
10 h 38 min 35 s
